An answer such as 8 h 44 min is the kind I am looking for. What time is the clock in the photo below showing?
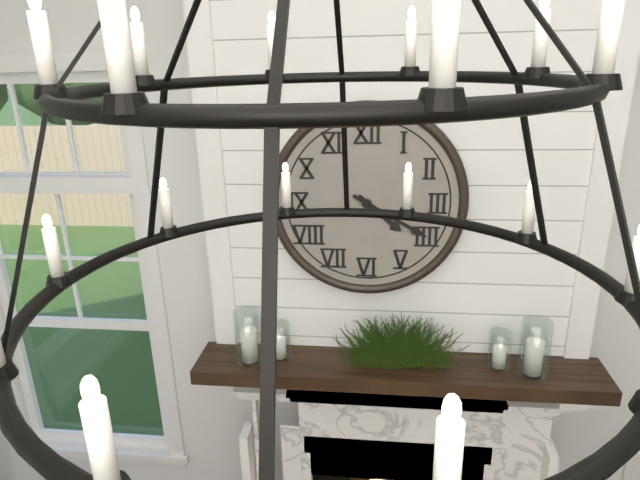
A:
4 h 20 min
